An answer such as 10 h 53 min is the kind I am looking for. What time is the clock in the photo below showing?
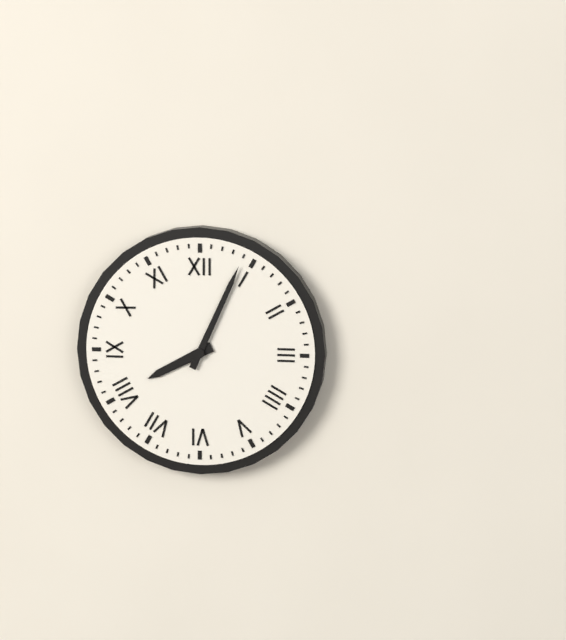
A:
8 h 04 min
